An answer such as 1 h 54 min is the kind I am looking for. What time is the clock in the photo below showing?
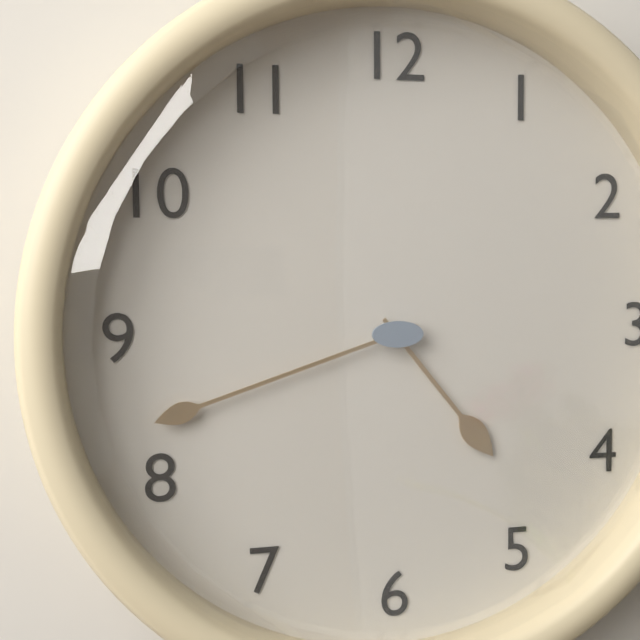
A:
4 h 42 min
